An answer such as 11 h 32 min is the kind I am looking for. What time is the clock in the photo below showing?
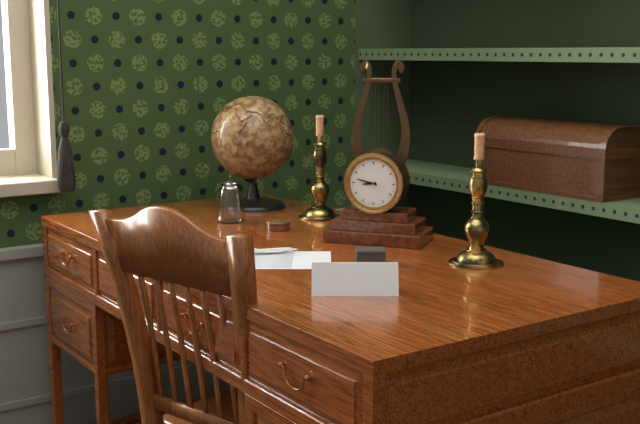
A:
8 h 47 min
